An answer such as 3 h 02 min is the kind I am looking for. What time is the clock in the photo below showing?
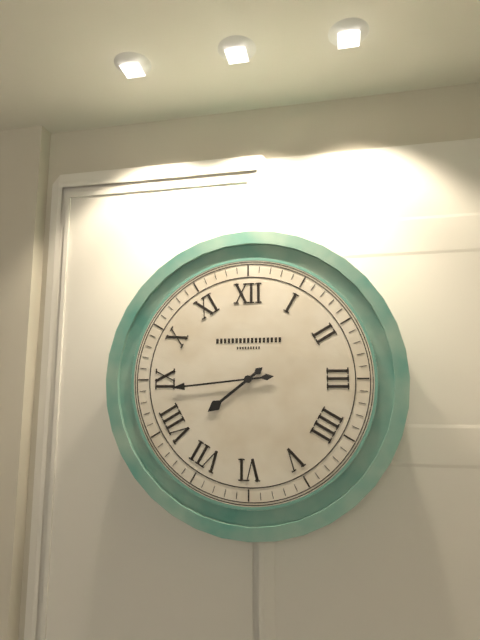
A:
7 h 44 min
